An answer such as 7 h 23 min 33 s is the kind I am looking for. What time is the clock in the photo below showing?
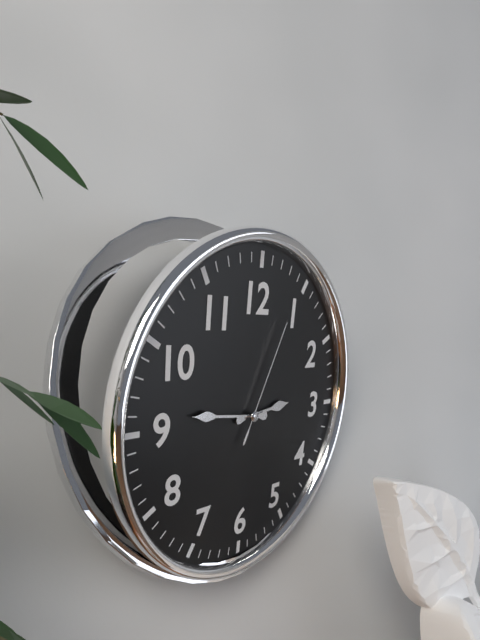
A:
2 h 46 min 04 s
